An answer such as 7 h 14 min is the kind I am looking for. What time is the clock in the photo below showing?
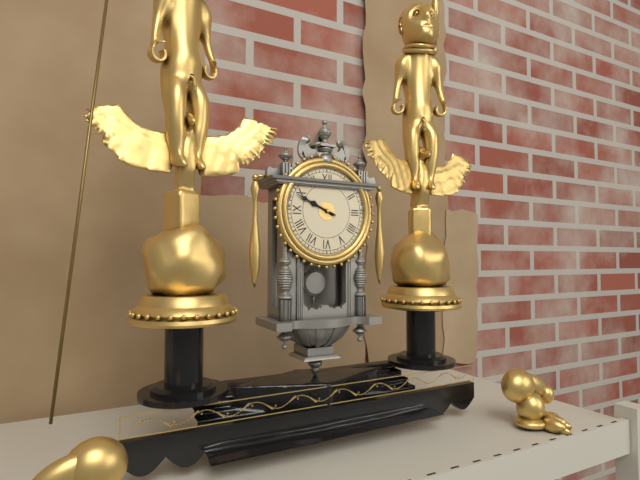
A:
9 h 49 min
